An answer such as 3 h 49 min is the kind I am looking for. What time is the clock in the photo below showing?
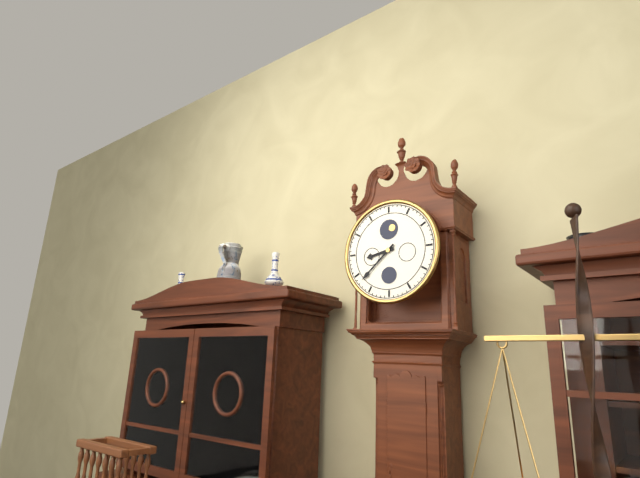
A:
8 h 38 min
